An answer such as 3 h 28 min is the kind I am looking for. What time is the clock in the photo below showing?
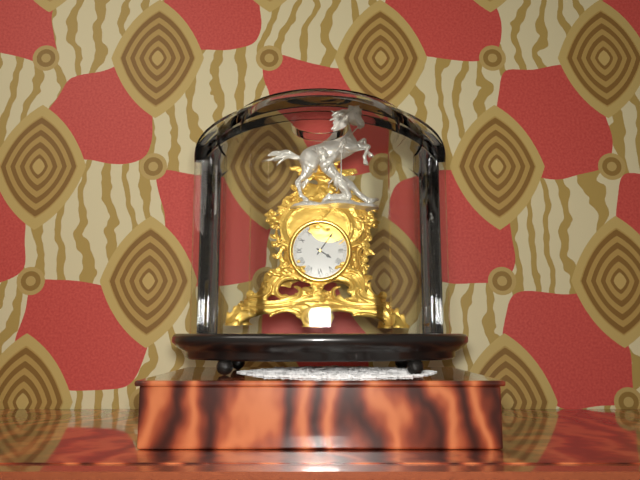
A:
4 h 06 min
